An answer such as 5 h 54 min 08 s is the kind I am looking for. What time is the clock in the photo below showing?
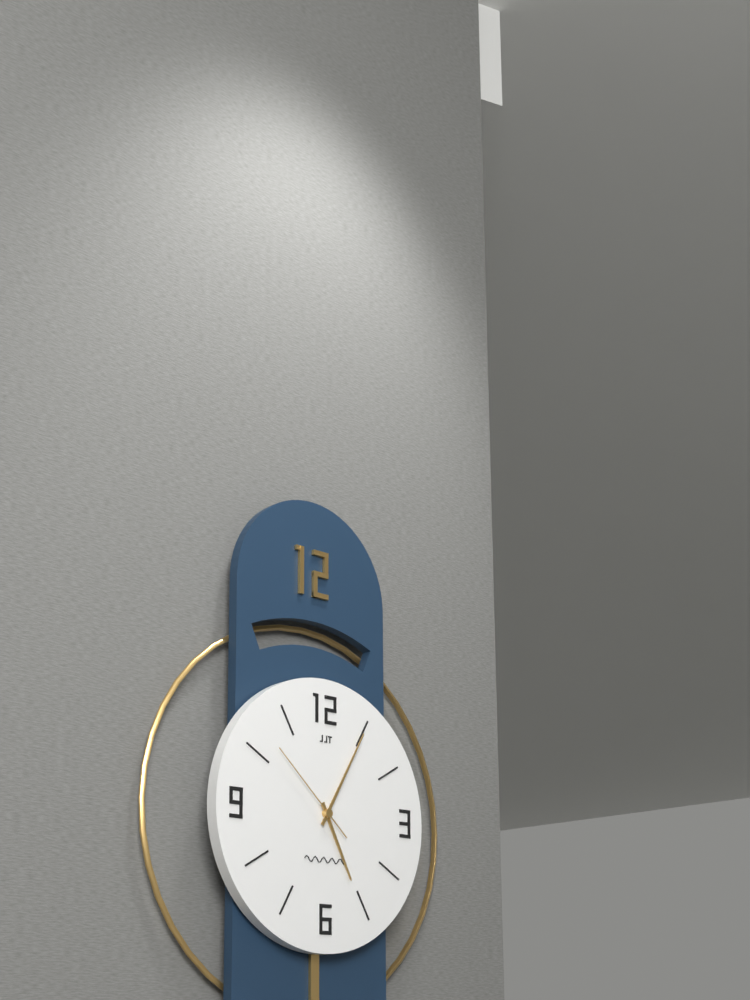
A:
5 h 05 min 52 s
